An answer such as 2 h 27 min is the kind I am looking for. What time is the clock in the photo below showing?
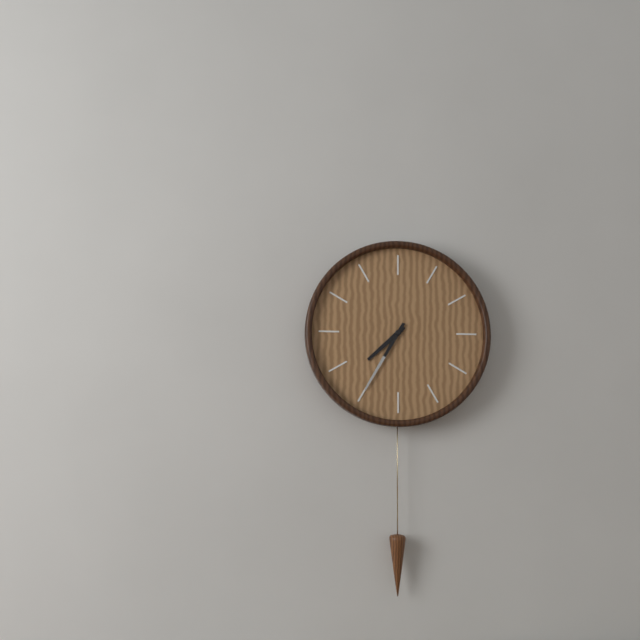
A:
7 h 35 min
